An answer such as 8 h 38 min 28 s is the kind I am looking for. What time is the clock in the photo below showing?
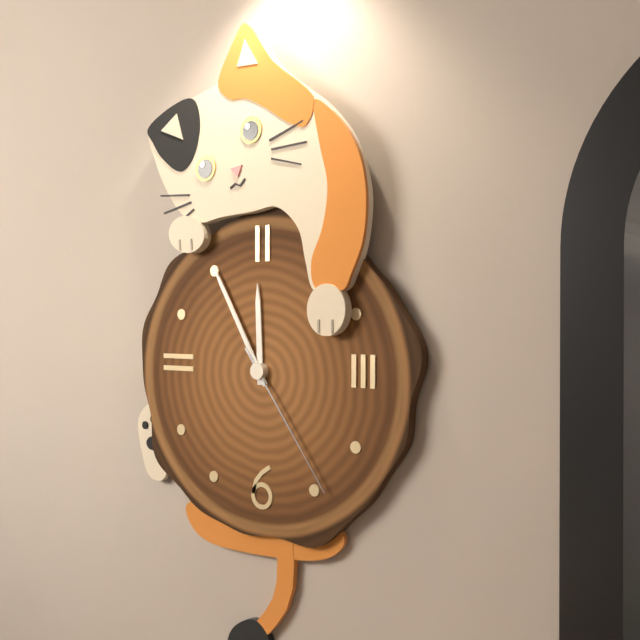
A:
11 h 55 min 24 s
